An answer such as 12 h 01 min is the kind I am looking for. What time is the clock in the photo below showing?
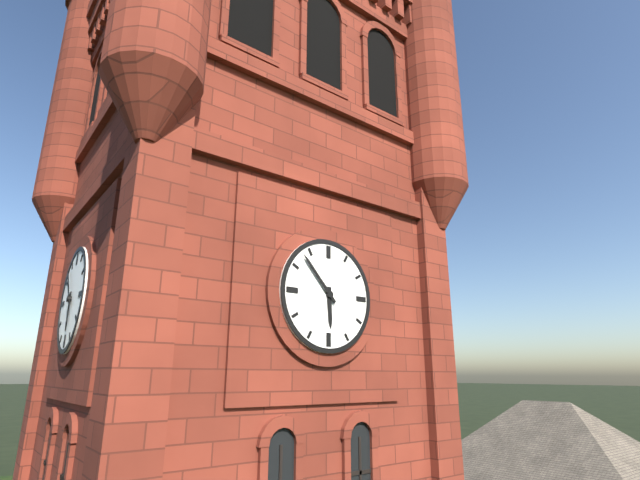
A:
5 h 53 min
